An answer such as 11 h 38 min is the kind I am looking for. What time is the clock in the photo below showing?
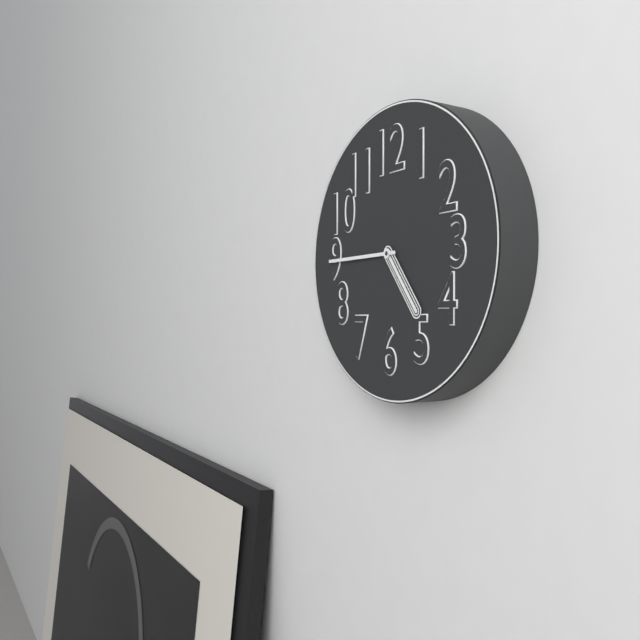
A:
4 h 45 min
